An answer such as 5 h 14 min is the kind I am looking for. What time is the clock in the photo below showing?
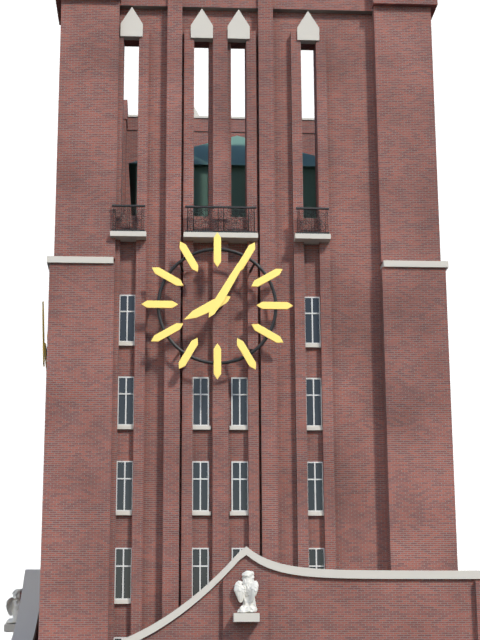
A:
8 h 05 min
